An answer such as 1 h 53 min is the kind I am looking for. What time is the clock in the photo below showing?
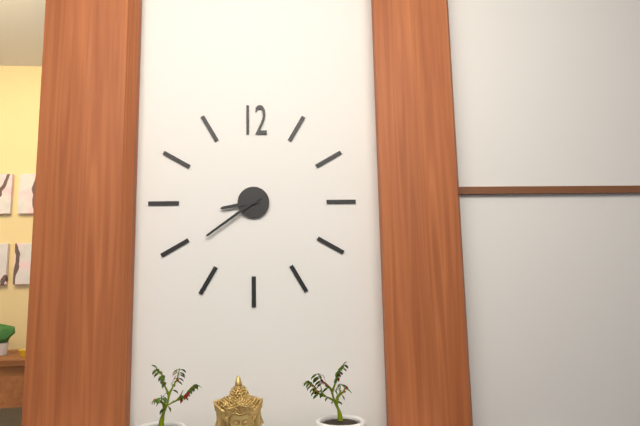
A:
8 h 39 min
